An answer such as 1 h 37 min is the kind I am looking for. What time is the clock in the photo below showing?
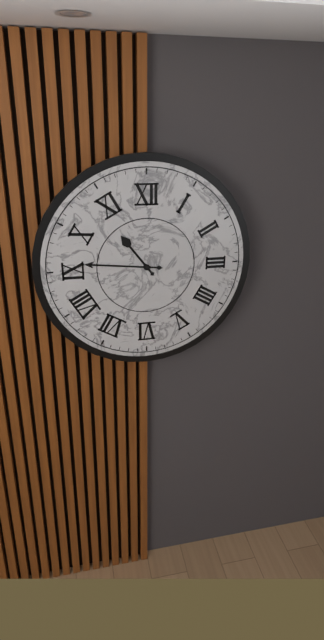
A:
10 h 46 min
